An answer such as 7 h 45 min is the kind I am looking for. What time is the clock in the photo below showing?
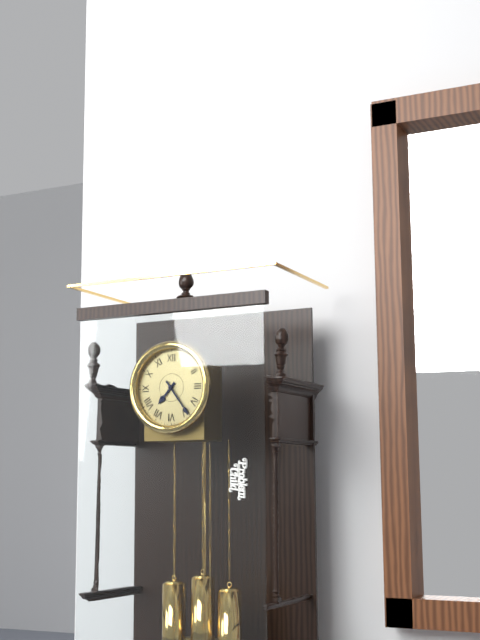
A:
7 h 24 min
